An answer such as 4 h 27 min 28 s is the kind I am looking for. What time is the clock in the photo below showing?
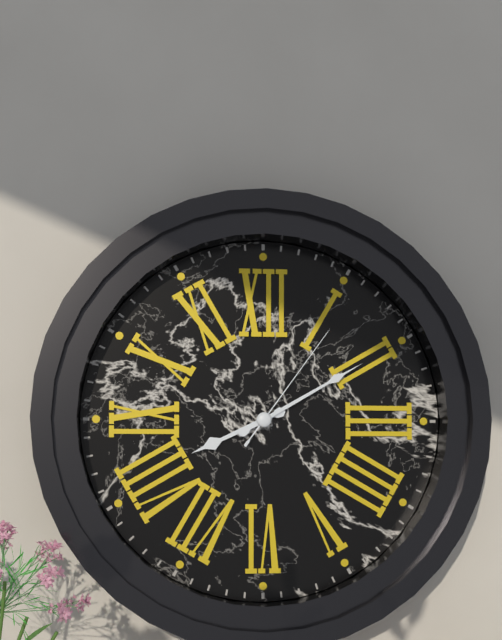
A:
8 h 10 min 06 s
